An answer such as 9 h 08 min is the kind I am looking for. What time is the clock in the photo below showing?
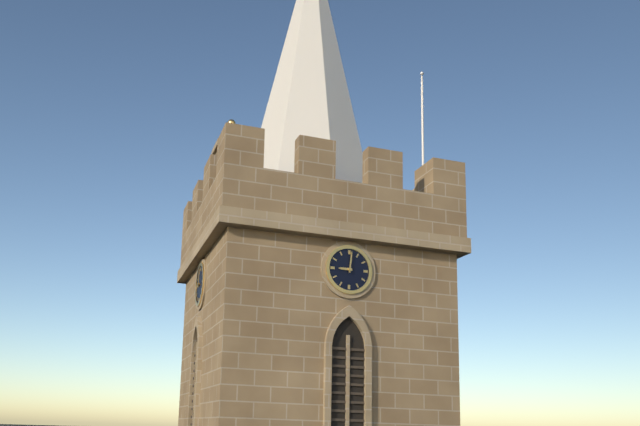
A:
9 h 01 min
